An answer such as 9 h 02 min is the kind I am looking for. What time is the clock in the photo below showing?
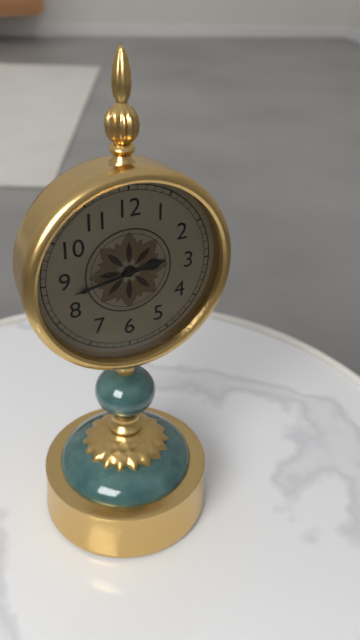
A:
2 h 43 min
